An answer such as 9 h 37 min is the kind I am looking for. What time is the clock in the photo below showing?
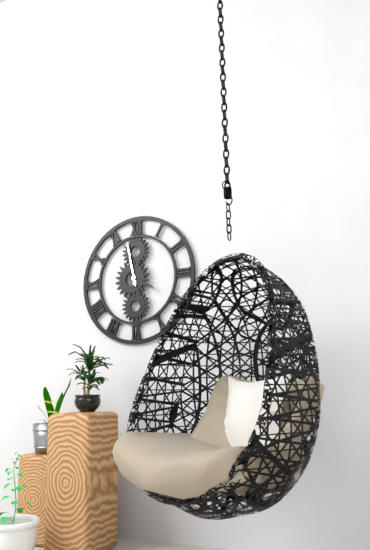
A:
3 h 58 min
